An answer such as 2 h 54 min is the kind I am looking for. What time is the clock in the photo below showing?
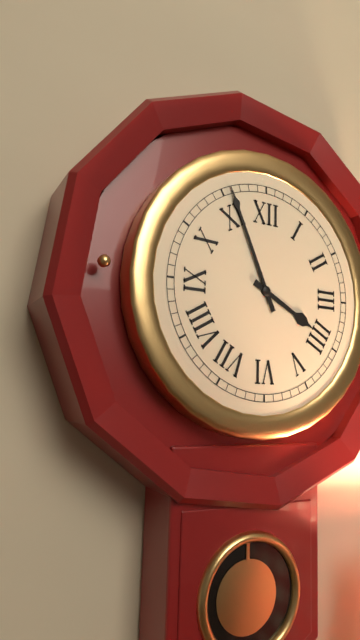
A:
3 h 56 min
